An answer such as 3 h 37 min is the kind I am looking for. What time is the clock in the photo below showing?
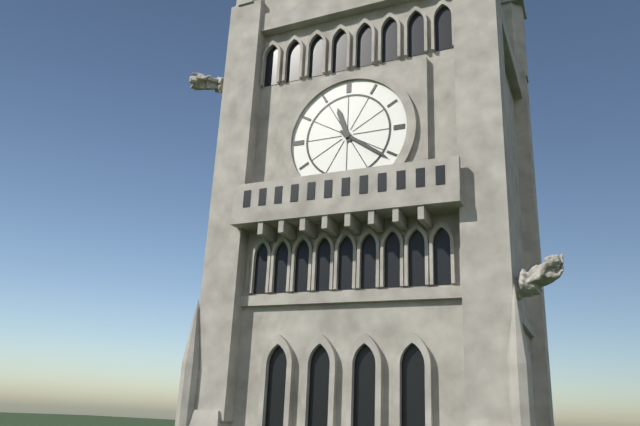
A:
11 h 21 min
